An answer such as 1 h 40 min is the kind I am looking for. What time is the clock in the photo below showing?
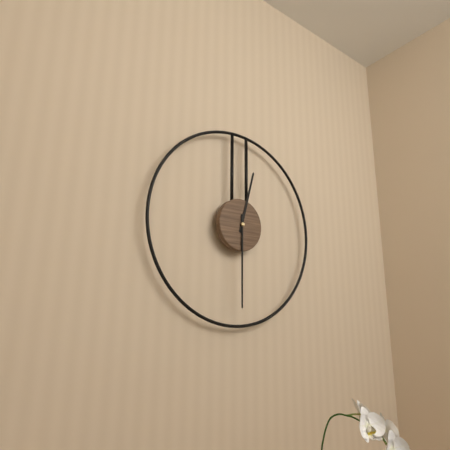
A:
12 h 30 min
